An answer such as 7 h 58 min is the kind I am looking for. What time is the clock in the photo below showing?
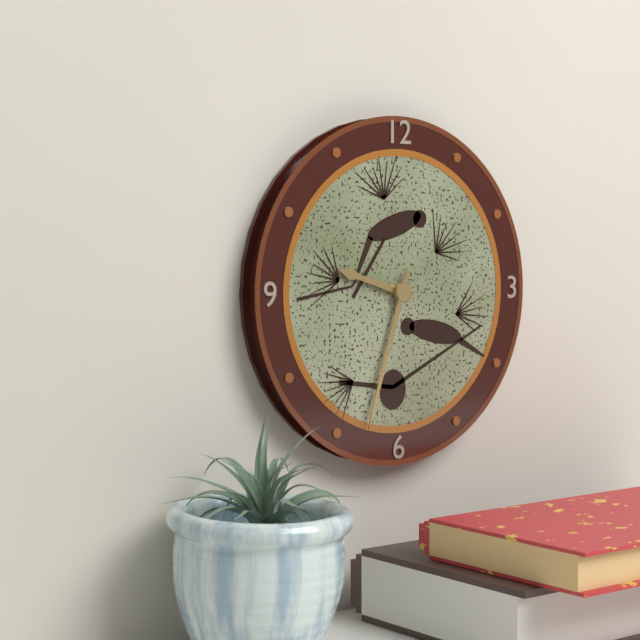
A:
9 h 33 min
